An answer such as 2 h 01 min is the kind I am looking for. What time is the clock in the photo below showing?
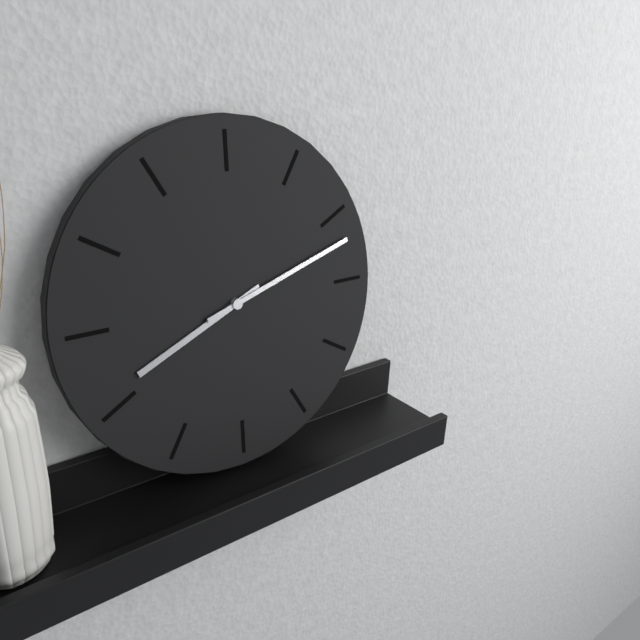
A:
8 h 12 min
